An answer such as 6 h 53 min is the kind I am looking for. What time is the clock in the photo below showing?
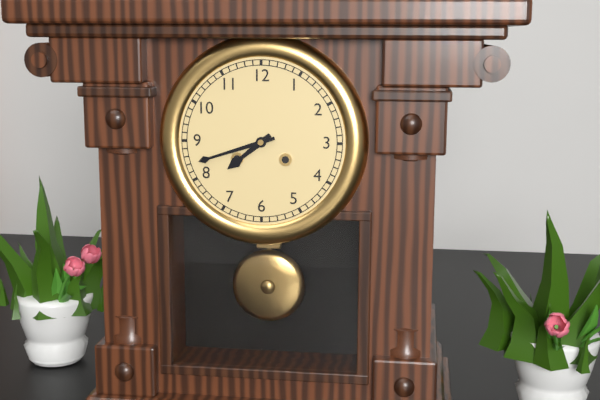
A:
7 h 42 min
